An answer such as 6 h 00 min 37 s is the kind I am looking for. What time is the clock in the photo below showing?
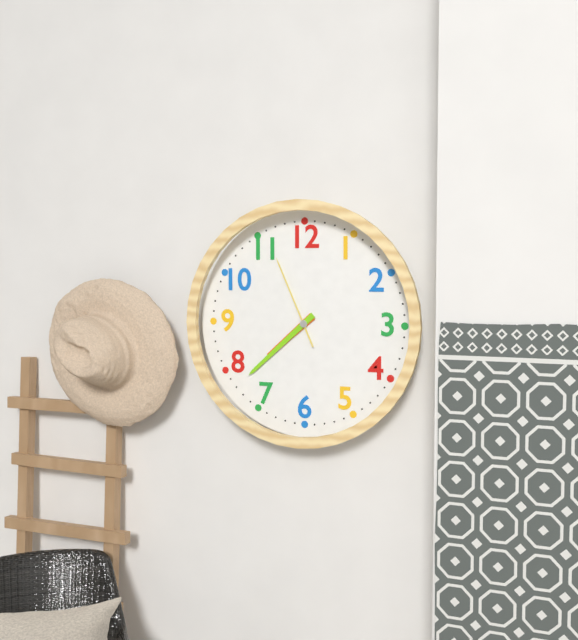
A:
7 h 38 min 56 s
